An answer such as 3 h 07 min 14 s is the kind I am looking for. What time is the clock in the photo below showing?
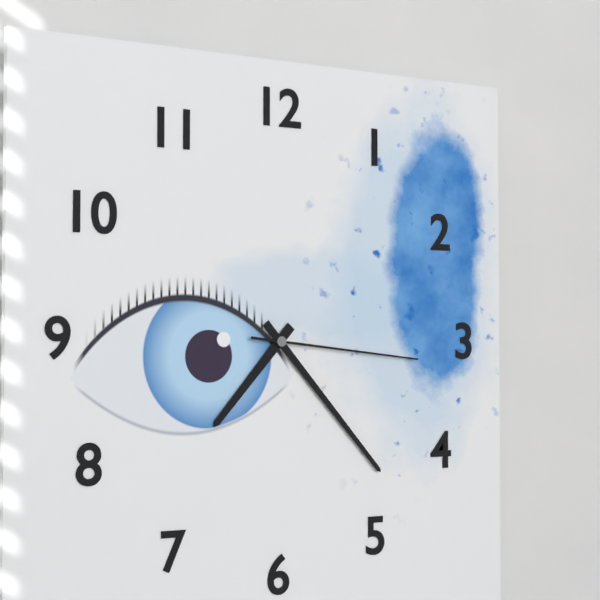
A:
7 h 23 min 16 s
